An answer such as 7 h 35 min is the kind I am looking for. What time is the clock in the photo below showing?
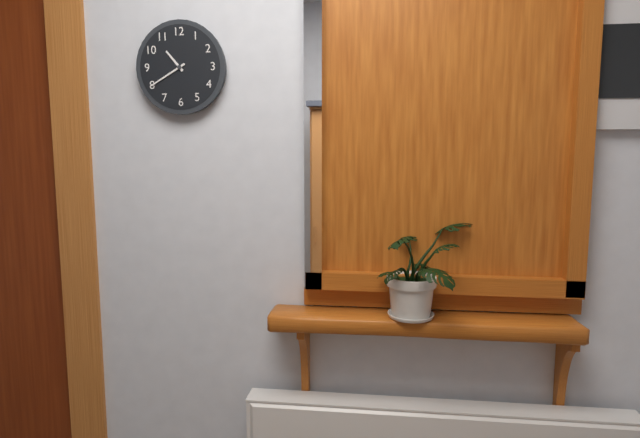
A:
10 h 40 min
